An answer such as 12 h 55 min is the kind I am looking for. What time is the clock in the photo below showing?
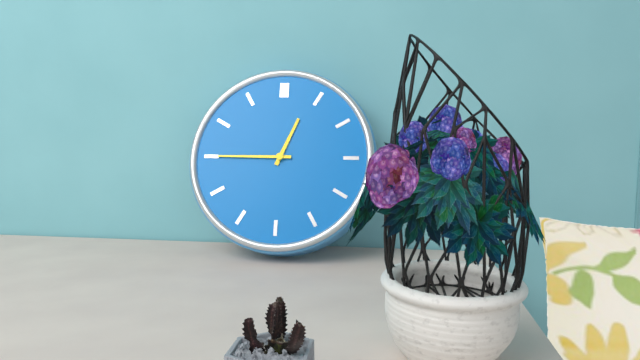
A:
12 h 45 min
